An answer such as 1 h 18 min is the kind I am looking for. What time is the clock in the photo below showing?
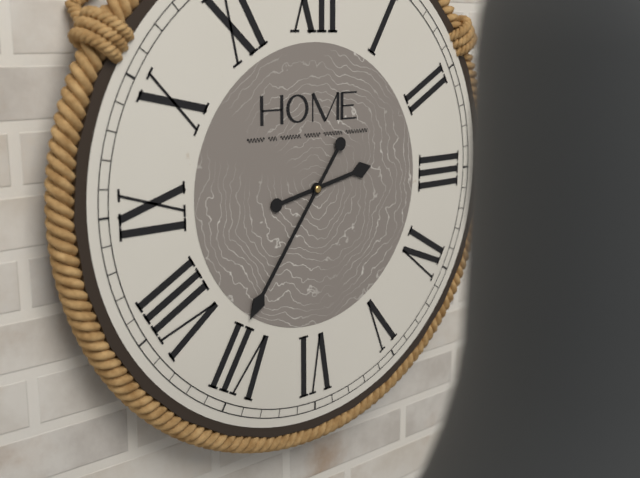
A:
2 h 36 min
